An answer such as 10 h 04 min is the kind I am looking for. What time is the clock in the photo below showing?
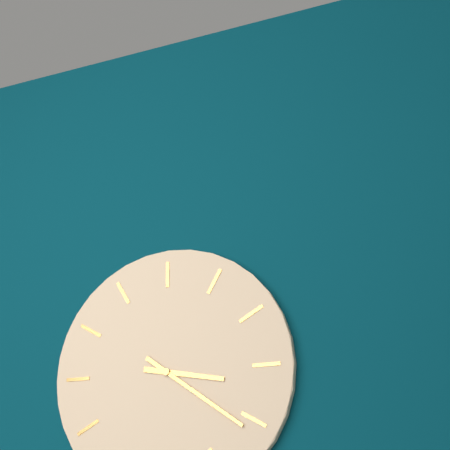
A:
3 h 21 min
